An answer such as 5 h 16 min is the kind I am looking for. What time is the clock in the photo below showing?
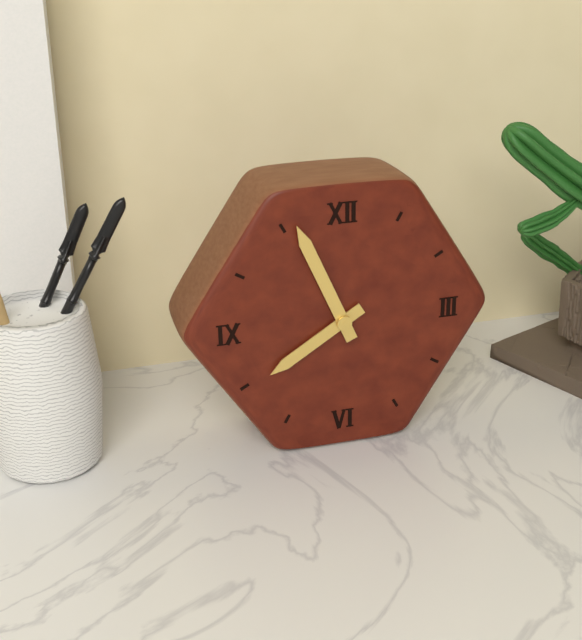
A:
7 h 56 min
